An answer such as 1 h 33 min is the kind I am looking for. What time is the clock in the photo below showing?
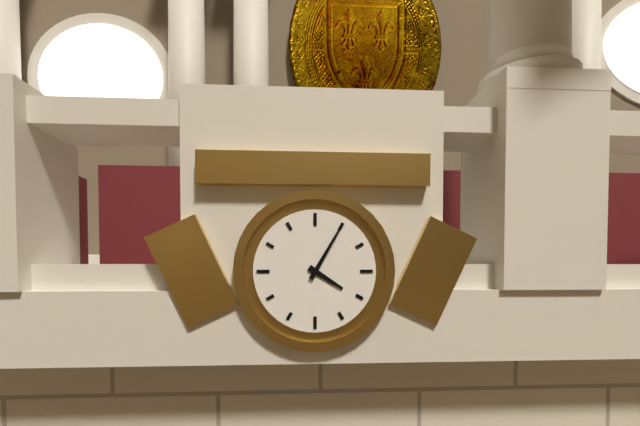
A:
4 h 05 min
